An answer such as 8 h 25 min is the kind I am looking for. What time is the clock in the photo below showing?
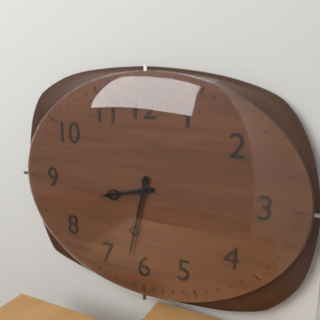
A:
8 h 32 min
